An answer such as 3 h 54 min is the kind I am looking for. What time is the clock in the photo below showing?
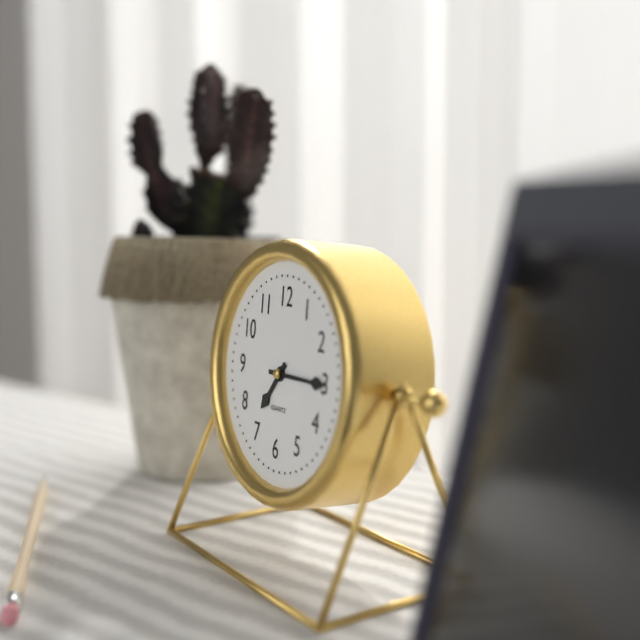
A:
7 h 15 min
